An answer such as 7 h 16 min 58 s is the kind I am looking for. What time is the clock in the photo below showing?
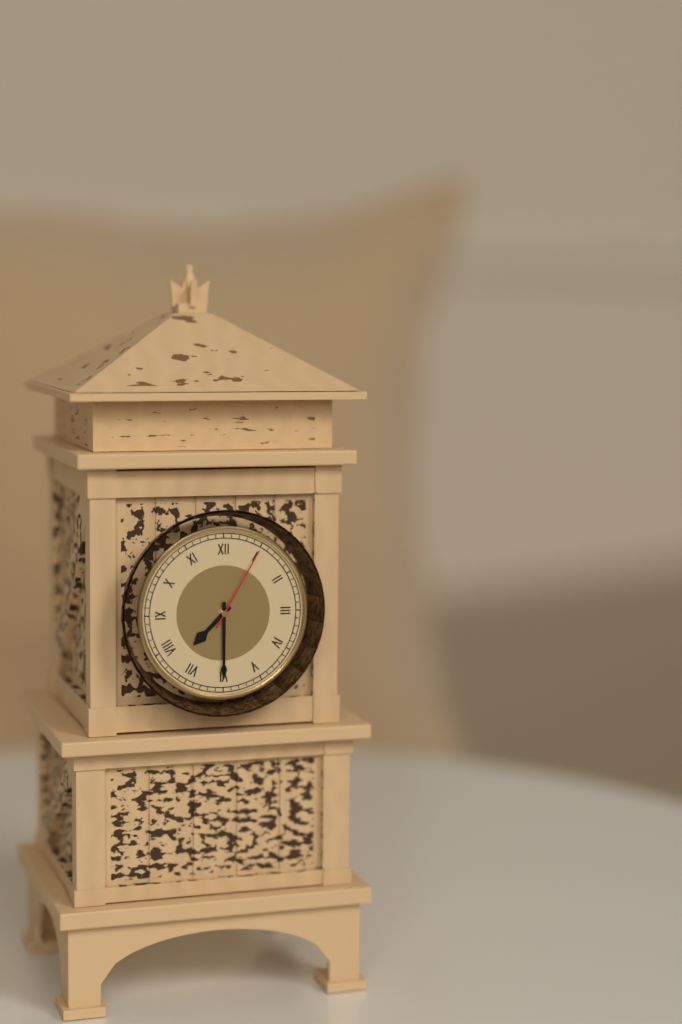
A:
7 h 30 min 05 s
